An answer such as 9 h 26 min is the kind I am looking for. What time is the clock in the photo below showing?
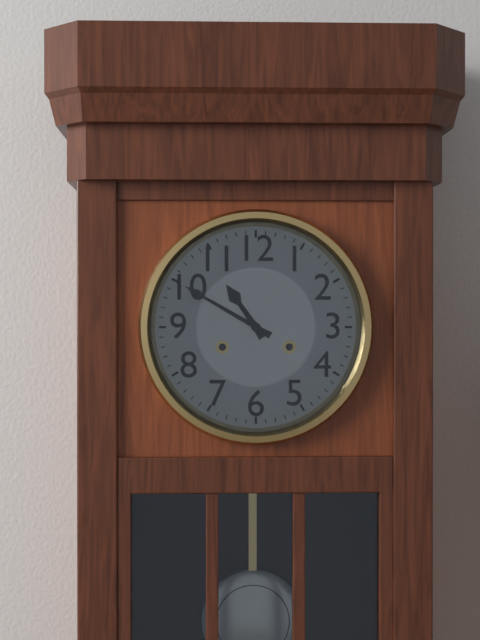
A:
10 h 50 min
